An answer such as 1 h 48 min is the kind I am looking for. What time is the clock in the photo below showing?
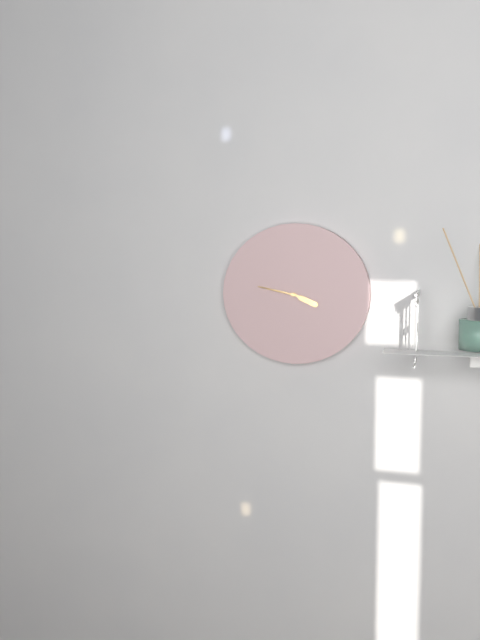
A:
3 h 47 min
